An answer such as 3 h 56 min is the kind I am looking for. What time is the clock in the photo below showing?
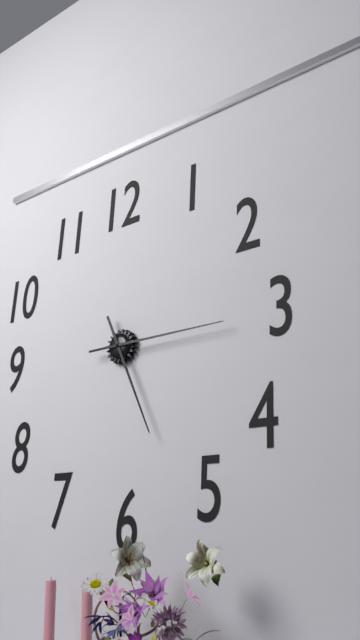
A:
5 h 15 min
